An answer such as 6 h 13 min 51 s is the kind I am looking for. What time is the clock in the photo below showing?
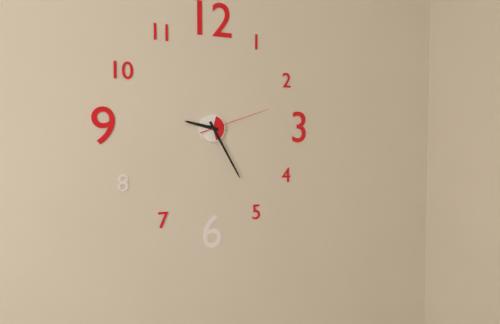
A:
9 h 25 min 12 s
